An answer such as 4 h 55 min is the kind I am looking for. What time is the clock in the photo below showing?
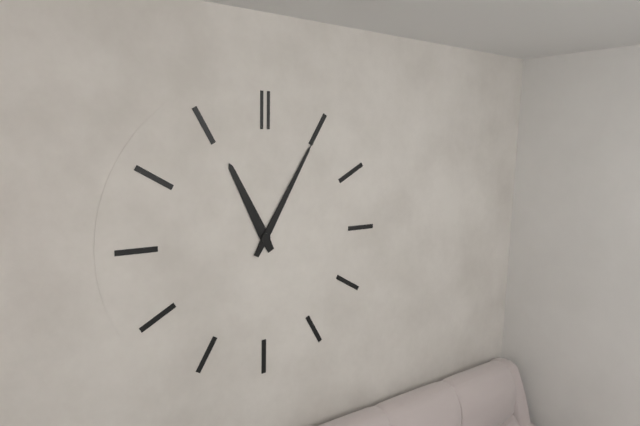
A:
11 h 05 min
